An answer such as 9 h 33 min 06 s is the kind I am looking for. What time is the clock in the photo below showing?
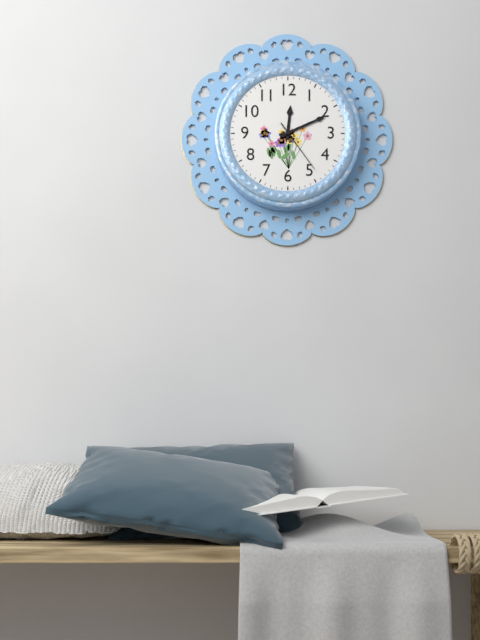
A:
12 h 11 min 24 s
